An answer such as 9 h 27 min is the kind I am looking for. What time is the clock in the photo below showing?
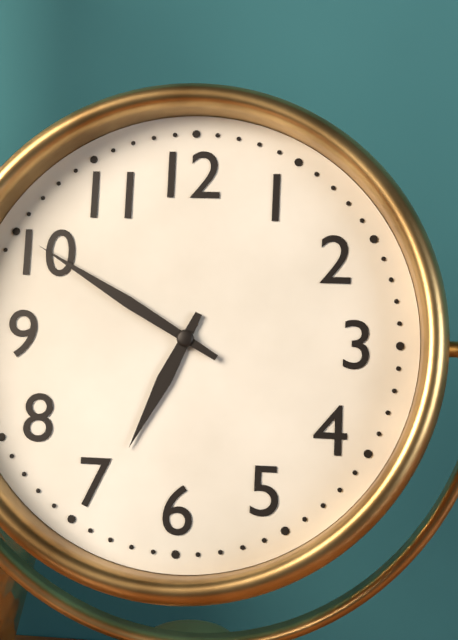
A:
6 h 50 min
